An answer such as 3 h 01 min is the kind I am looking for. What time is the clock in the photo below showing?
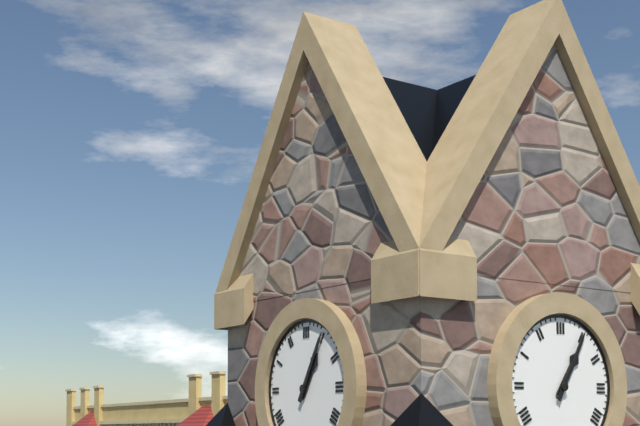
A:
1 h 05 min
